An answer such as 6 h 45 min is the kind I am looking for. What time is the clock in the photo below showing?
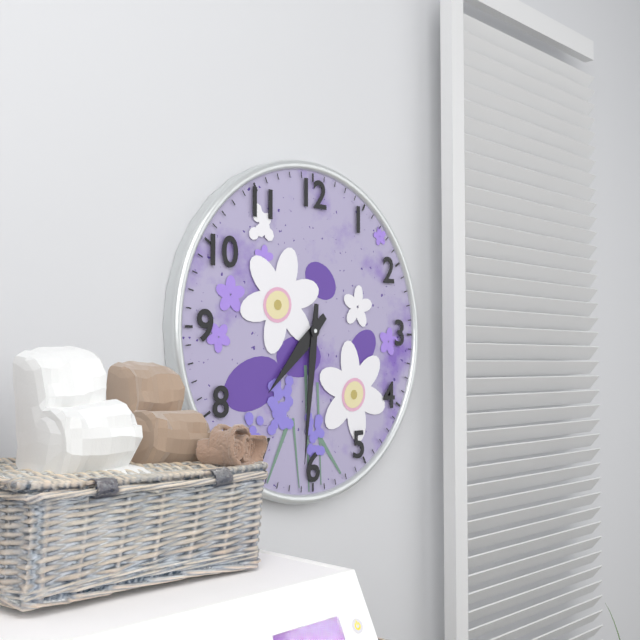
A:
7 h 31 min
